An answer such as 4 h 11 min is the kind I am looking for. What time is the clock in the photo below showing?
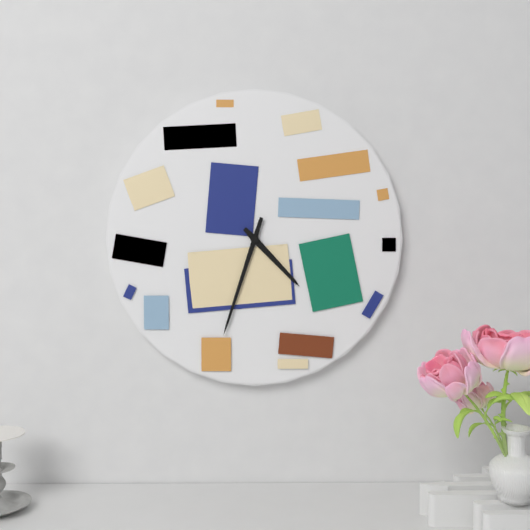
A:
4 h 33 min
